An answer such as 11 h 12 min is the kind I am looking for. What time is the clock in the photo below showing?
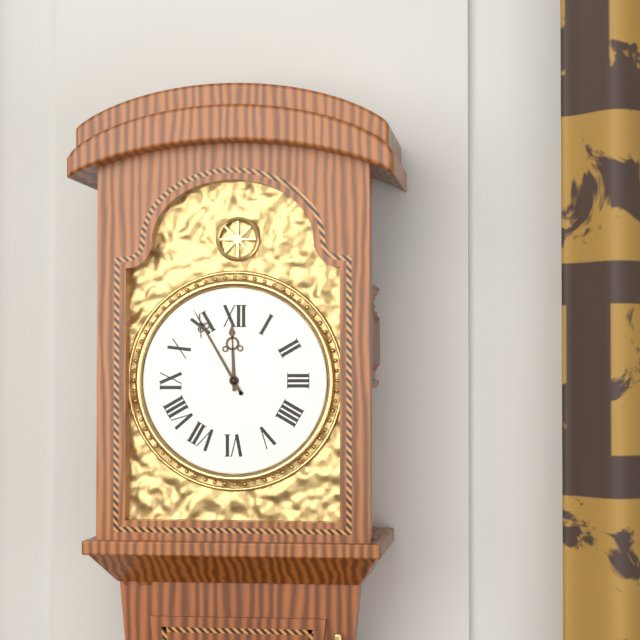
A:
11 h 55 min
